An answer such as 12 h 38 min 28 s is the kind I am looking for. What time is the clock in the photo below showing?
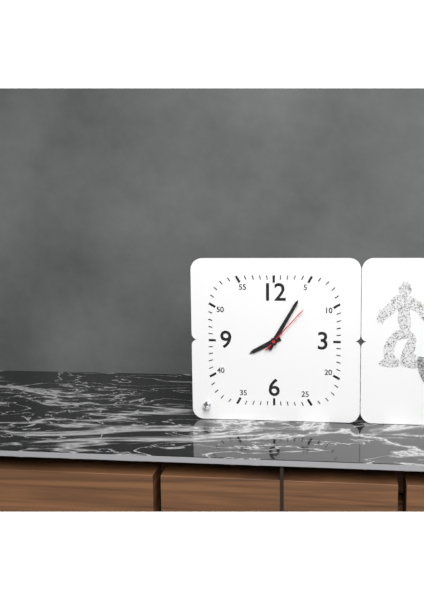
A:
8 h 05 min 07 s
